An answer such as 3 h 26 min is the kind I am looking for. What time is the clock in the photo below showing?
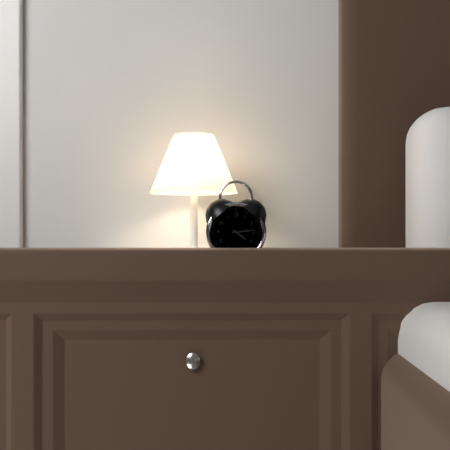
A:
4 h 14 min
